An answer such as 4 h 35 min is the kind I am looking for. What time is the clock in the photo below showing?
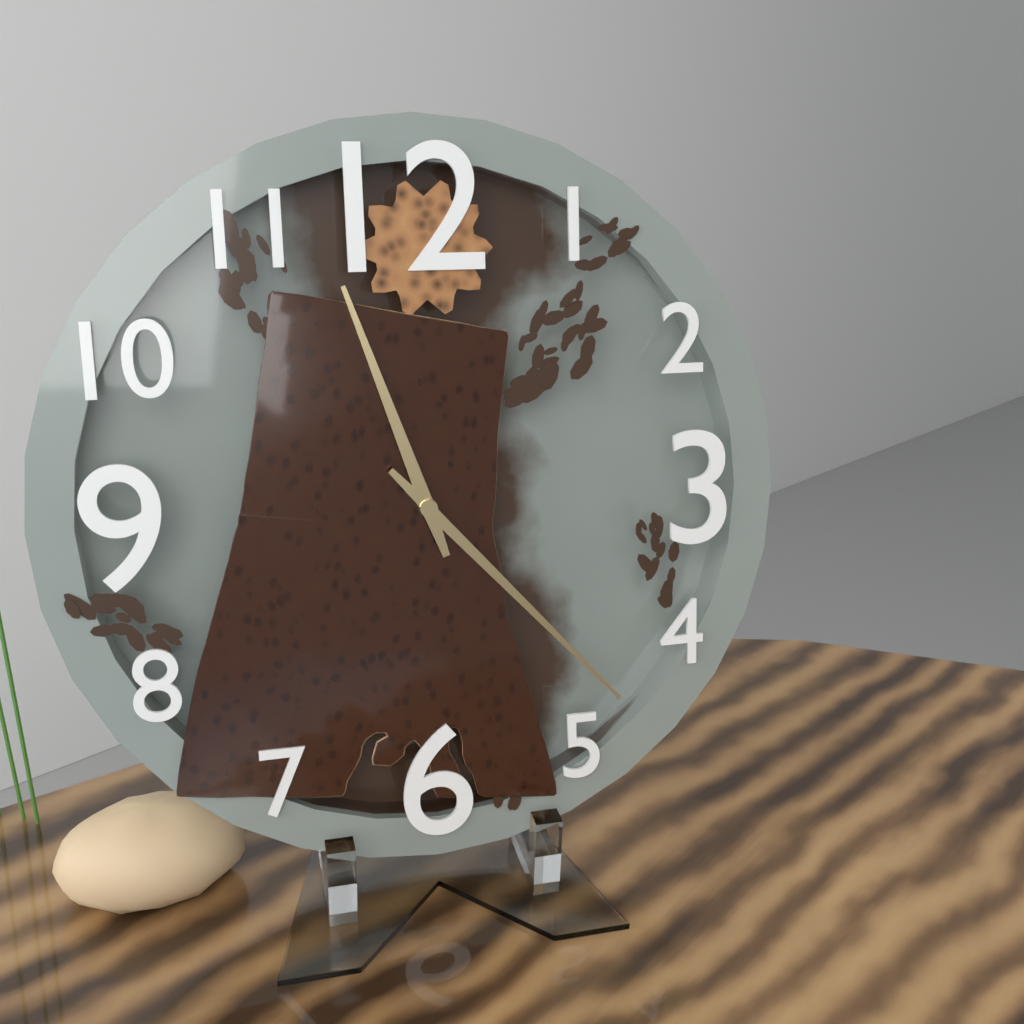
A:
11 h 23 min
